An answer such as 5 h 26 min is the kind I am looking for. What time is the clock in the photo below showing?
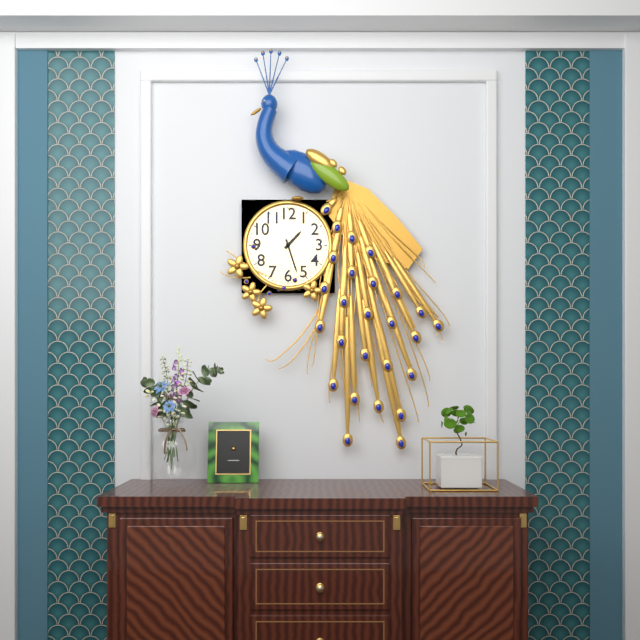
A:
1 h 27 min
